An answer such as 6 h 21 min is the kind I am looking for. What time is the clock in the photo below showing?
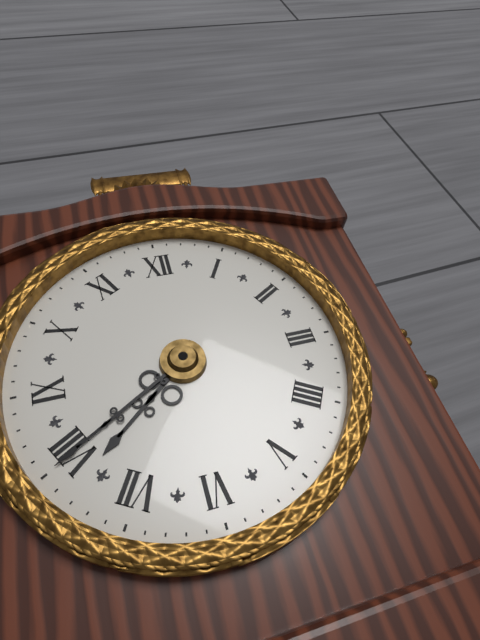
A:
7 h 40 min
